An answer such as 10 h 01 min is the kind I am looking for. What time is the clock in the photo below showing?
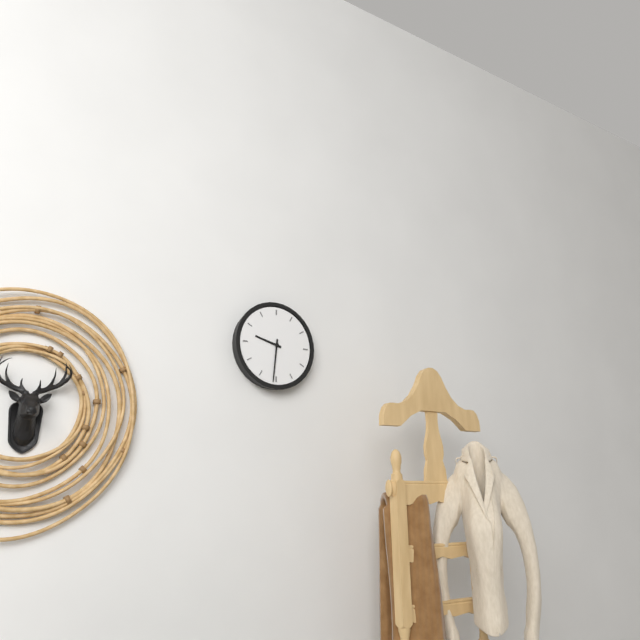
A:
9 h 31 min
